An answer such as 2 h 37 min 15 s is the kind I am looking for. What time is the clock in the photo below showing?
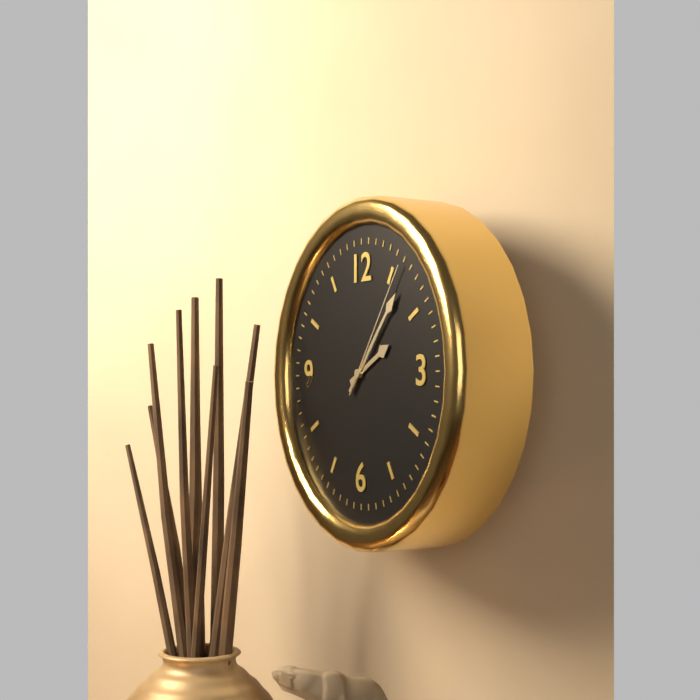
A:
2 h 07 min 06 s
